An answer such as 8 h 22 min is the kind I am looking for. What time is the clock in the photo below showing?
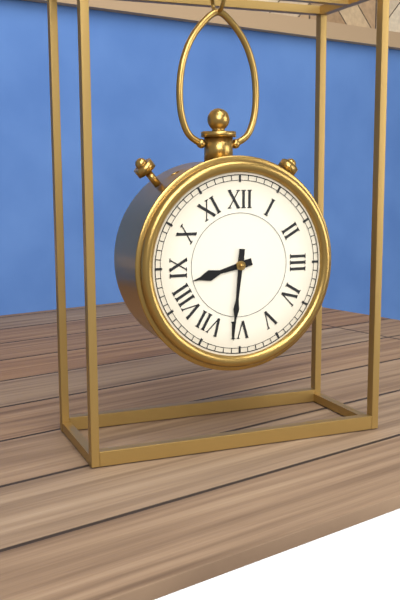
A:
8 h 31 min
